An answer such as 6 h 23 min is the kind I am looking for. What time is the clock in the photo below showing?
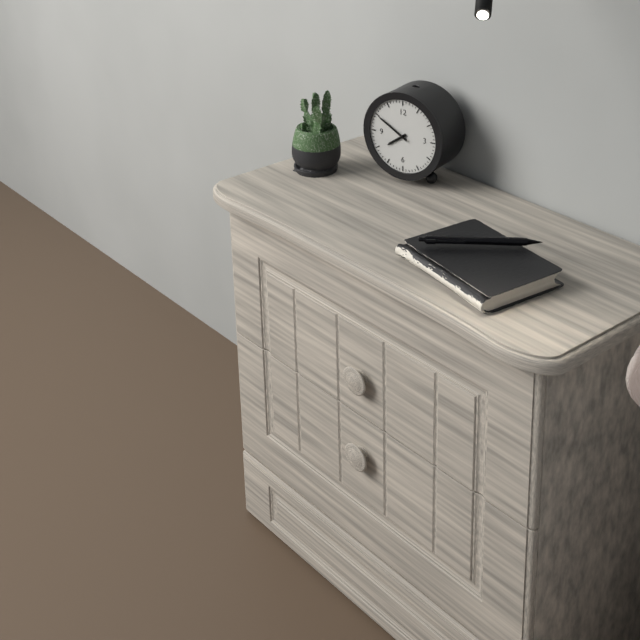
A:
7 h 50 min
